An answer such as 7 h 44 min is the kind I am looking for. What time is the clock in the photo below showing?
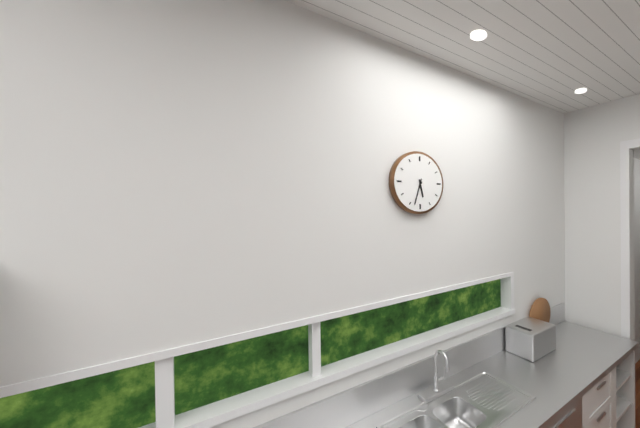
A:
5 h 33 min
